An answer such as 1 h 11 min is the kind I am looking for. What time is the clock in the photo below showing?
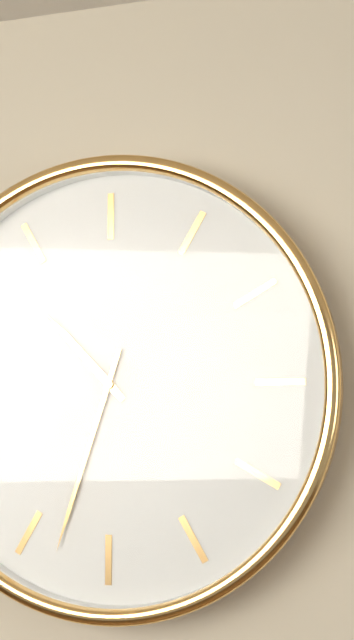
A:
10 h 33 min
